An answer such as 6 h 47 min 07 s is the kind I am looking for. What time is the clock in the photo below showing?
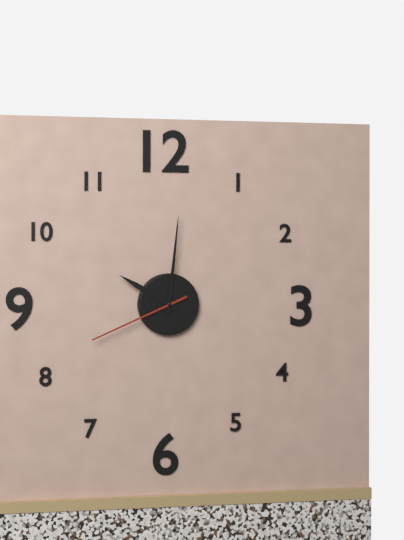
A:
10 h 01 min 41 s
